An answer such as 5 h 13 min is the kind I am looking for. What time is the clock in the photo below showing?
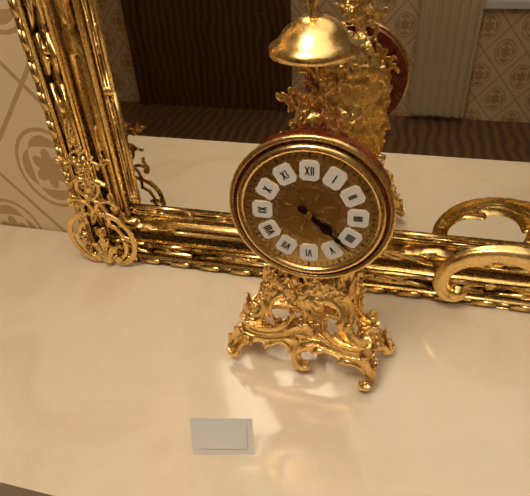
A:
4 h 22 min
